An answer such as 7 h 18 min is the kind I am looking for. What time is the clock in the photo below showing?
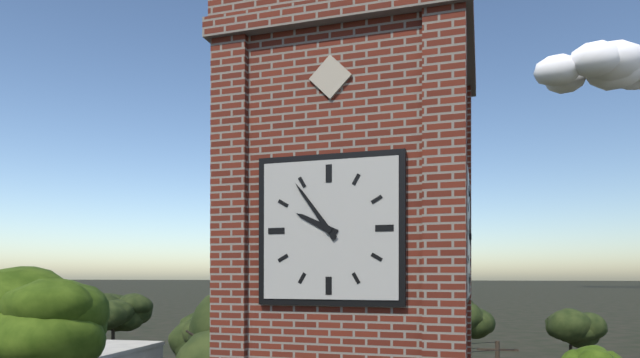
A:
9 h 54 min
